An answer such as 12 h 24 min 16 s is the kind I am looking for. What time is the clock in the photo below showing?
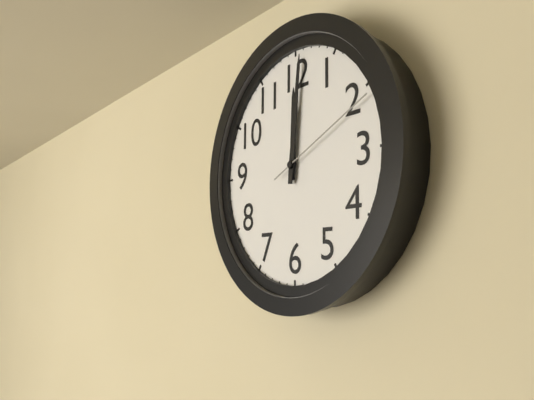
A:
12 h 01 min 11 s
